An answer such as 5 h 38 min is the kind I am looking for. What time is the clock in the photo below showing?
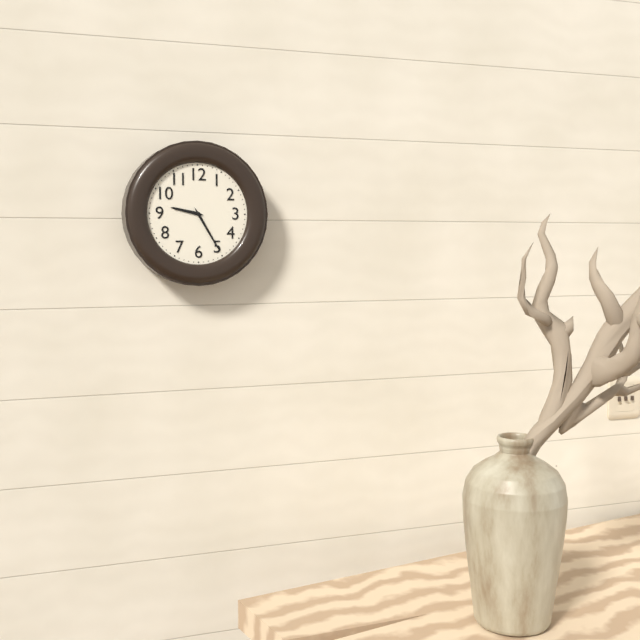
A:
9 h 25 min
